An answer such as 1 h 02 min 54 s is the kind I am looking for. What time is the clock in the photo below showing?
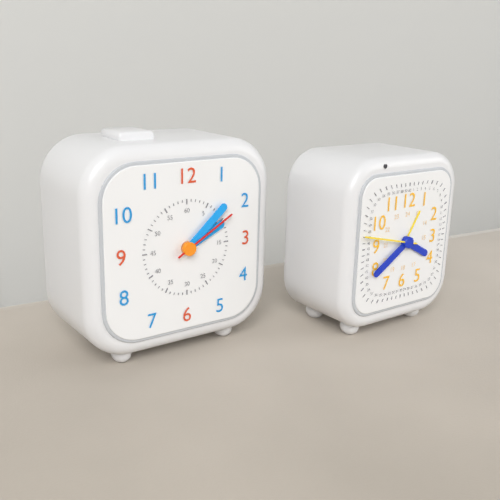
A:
2 h 08 min 10 s
